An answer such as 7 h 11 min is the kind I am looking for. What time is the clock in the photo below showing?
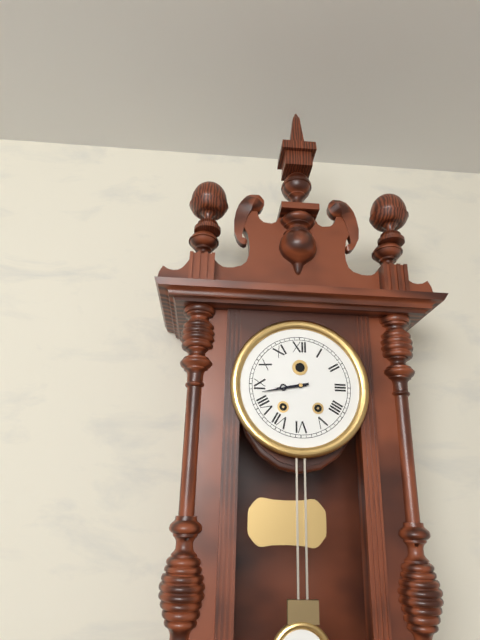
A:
8 h 43 min
